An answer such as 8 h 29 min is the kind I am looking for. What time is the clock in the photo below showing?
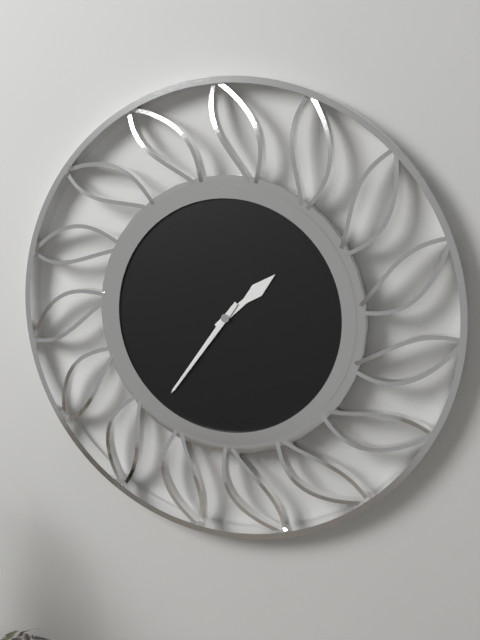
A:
1 h 36 min
